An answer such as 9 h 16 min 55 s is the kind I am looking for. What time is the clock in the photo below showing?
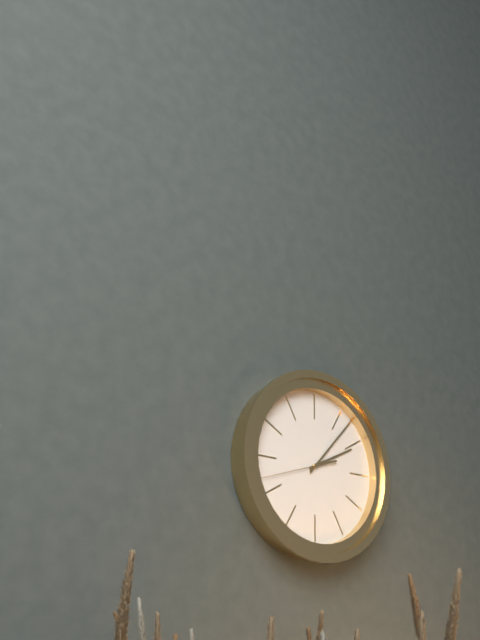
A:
2 h 07 min 42 s
